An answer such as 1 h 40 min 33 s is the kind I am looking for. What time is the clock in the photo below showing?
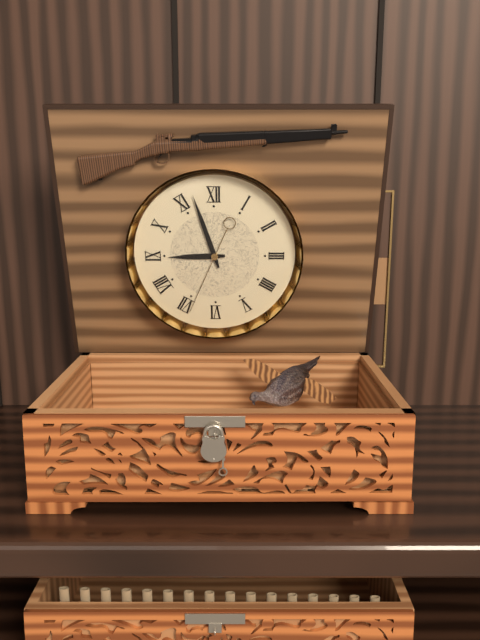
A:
8 h 57 min 34 s
